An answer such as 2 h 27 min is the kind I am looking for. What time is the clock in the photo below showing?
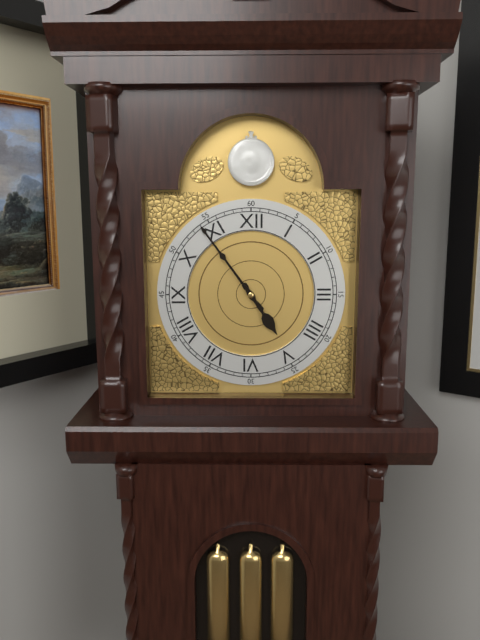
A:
4 h 54 min
